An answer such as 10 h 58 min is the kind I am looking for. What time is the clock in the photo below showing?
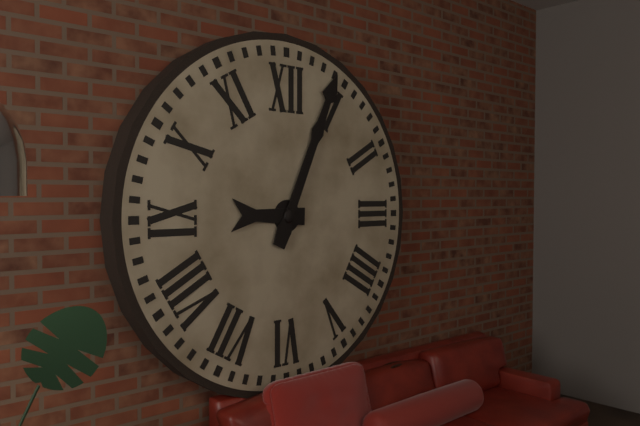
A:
9 h 04 min
